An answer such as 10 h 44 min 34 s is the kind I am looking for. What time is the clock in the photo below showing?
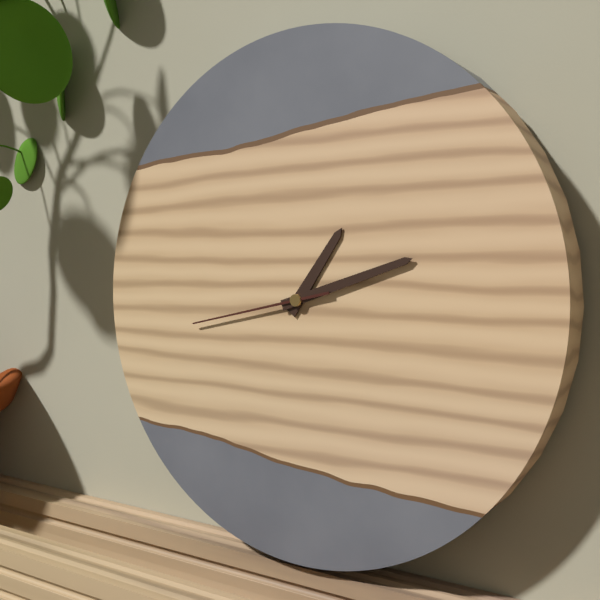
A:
1 h 12 min 43 s
